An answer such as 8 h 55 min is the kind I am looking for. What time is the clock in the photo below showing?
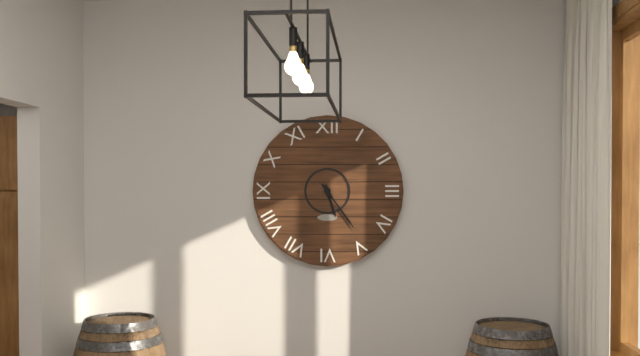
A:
5 h 24 min
